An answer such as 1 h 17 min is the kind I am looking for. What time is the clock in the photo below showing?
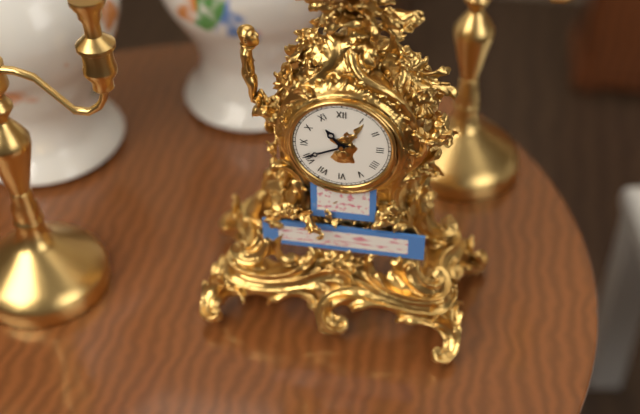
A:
10 h 41 min
